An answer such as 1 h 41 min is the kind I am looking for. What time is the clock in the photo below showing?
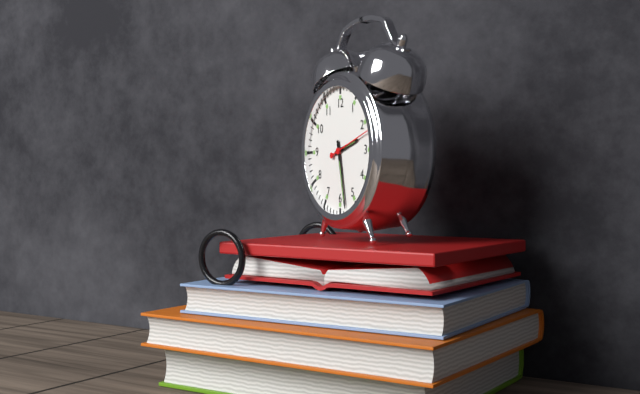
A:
2 h 28 min
